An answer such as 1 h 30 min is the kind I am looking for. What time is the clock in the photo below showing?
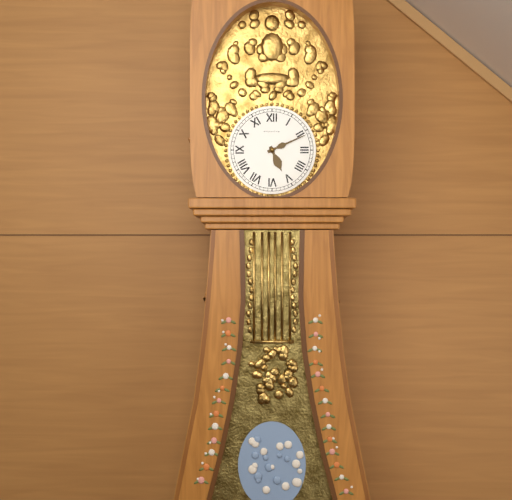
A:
5 h 11 min
